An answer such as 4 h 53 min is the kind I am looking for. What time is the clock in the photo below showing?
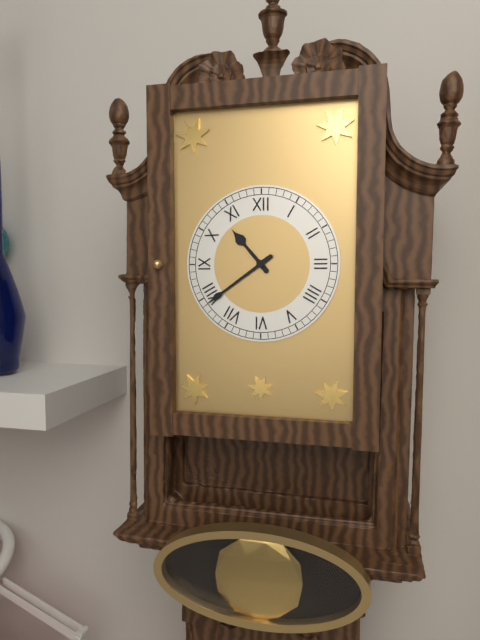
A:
10 h 39 min
